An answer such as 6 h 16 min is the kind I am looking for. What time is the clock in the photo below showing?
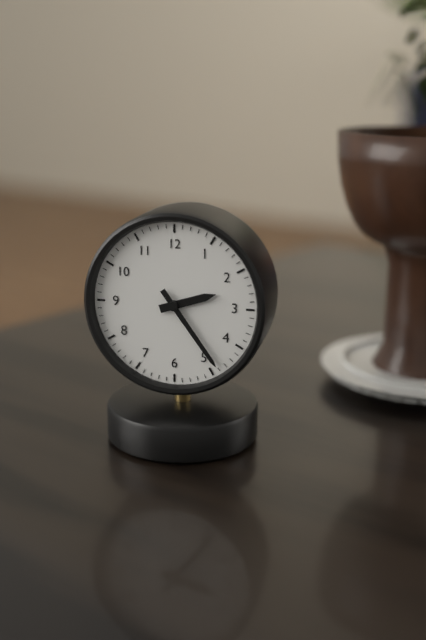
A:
2 h 24 min
